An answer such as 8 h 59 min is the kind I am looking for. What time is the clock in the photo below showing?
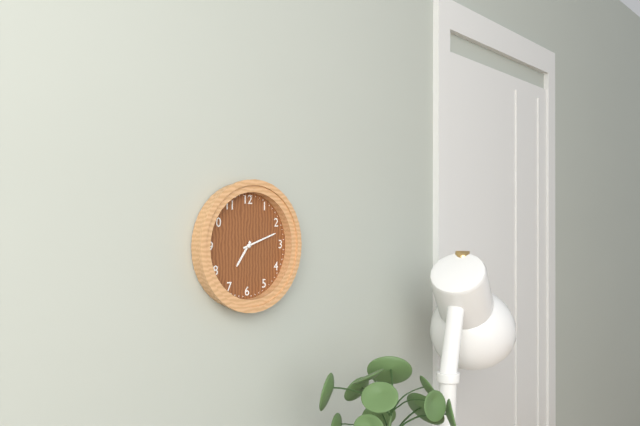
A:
7 h 12 min
